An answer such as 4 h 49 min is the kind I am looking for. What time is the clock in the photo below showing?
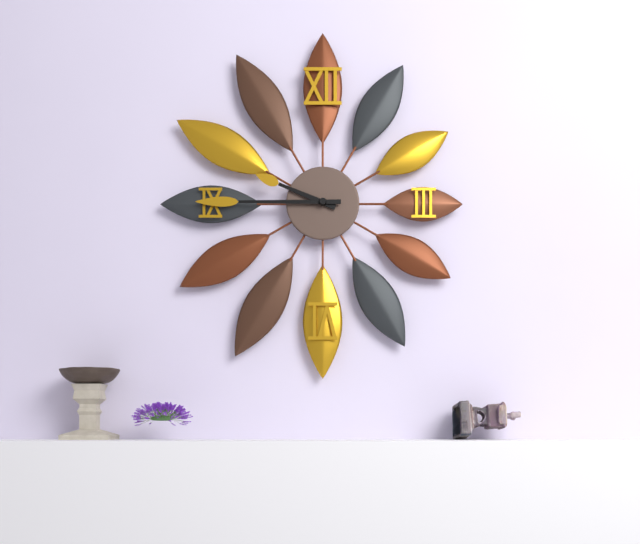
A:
9 h 45 min
